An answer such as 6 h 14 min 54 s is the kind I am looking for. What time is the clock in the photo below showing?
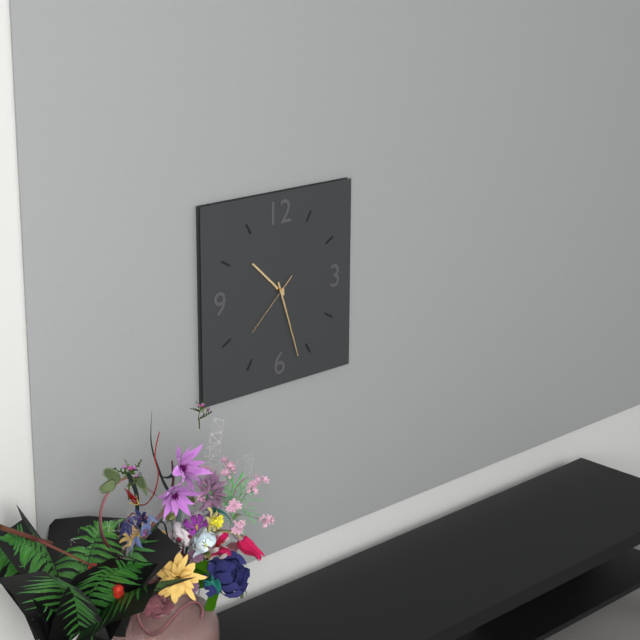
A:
10 h 27 min 38 s
